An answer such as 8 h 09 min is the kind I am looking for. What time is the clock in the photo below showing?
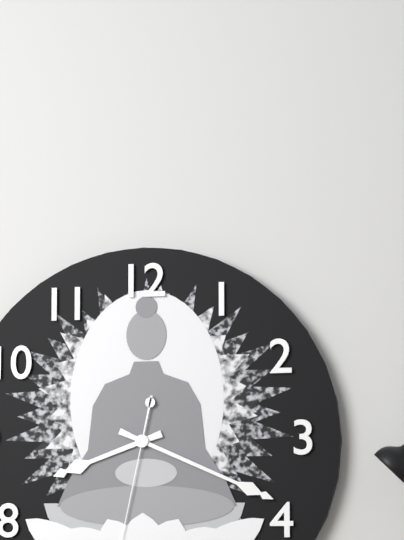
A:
8 h 19 min
